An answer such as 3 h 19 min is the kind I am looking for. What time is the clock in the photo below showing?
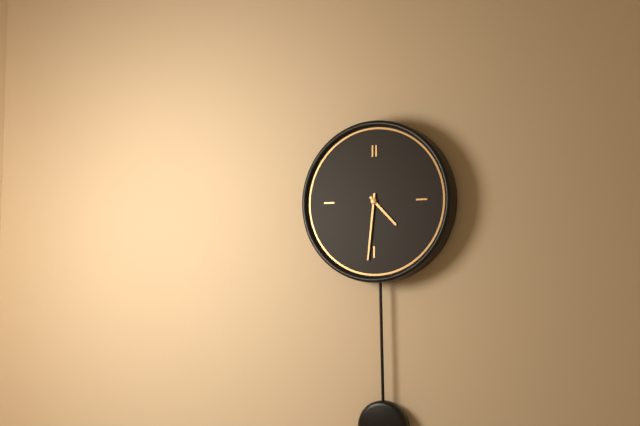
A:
4 h 31 min
